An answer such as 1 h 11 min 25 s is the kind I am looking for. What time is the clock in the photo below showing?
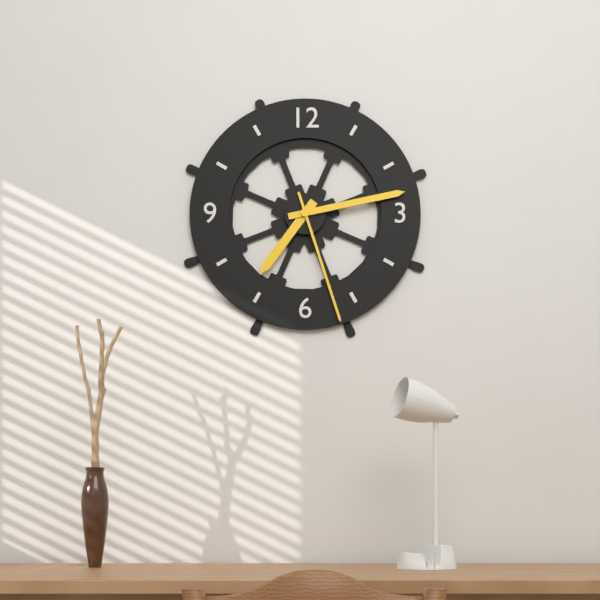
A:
7 h 13 min 27 s
